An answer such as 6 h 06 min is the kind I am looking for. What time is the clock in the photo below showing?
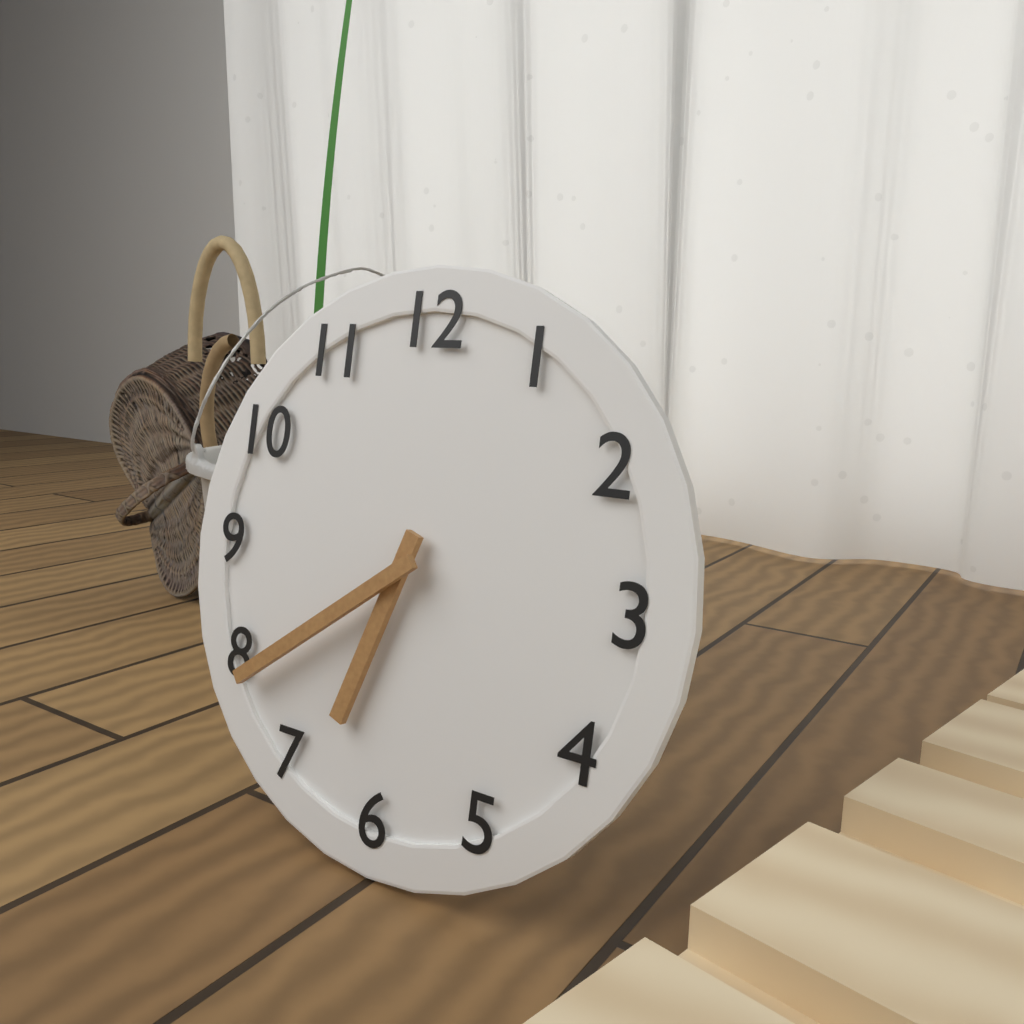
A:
6 h 39 min
